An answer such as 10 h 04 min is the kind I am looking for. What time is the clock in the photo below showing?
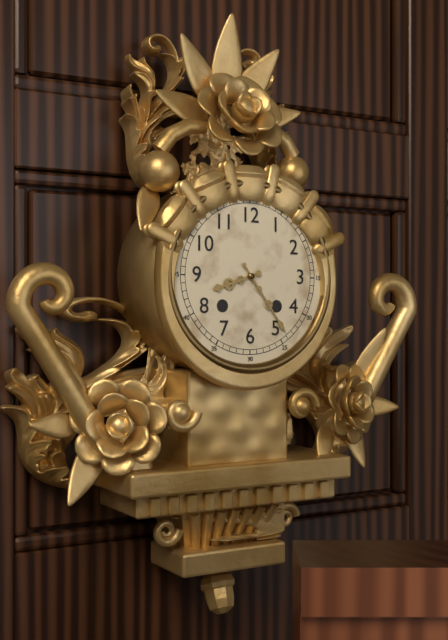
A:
8 h 24 min
